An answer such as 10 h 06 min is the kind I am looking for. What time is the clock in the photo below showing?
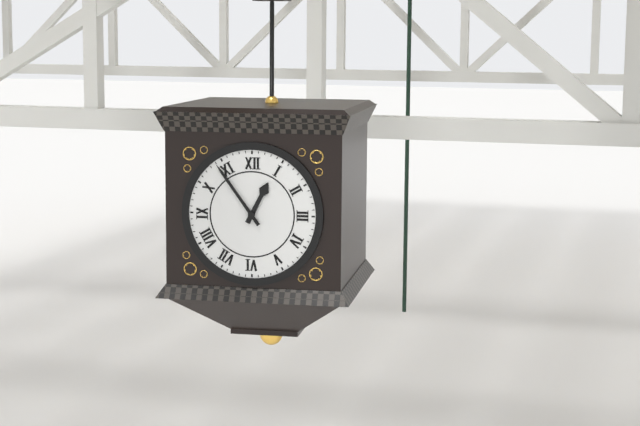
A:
12 h 54 min
